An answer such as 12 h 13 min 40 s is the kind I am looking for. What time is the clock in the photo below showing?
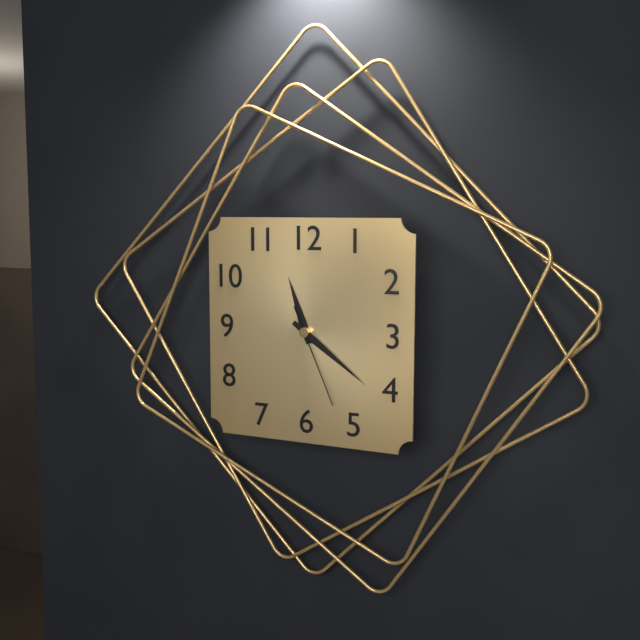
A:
11 h 21 min 26 s
